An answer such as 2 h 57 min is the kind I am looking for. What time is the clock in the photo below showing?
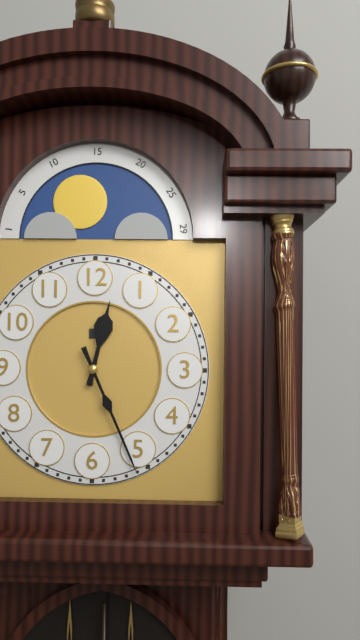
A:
12 h 26 min
